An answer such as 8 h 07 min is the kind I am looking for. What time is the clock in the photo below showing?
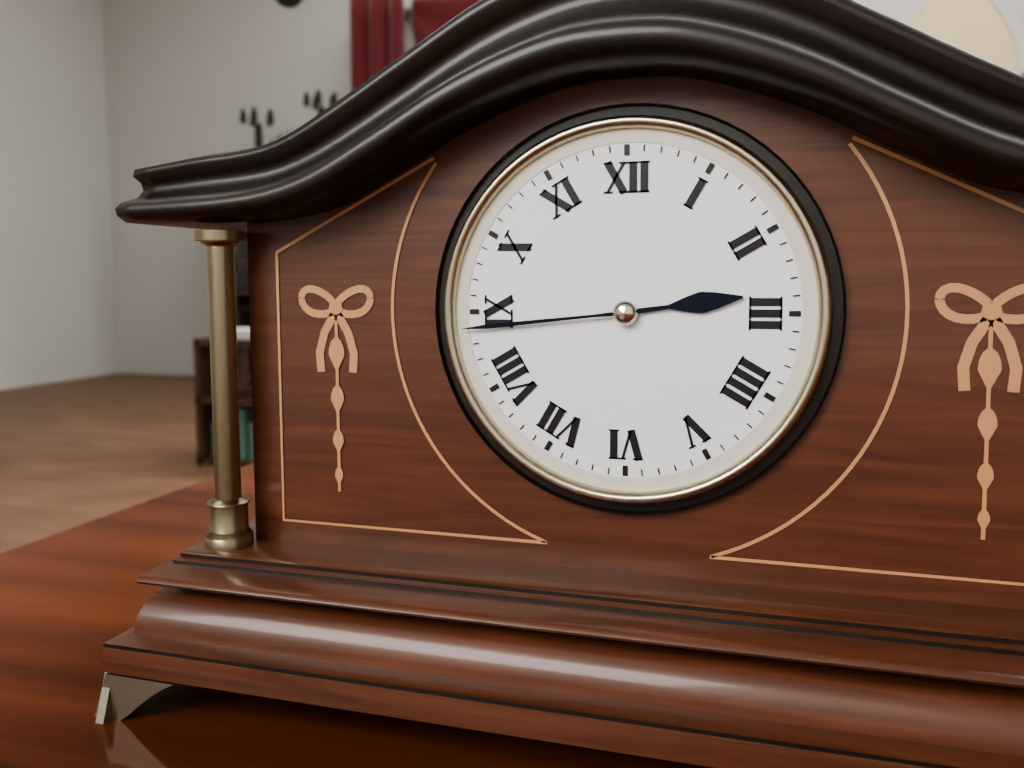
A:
2 h 44 min
